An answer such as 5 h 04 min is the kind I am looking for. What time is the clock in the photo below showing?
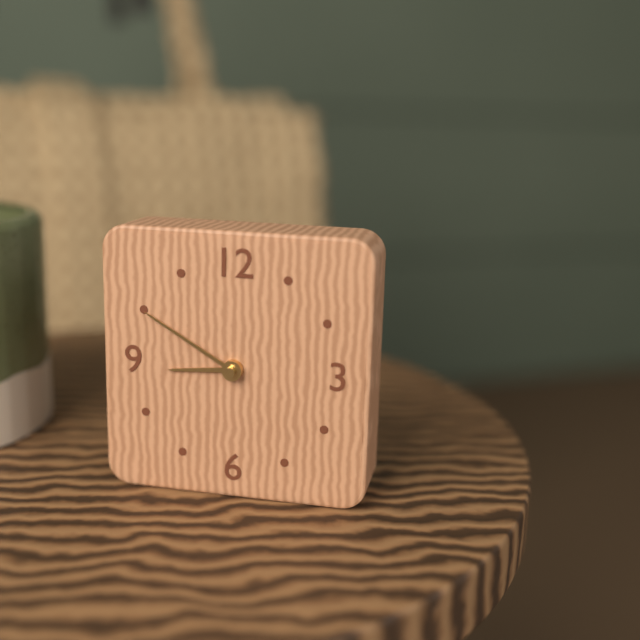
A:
8 h 50 min
